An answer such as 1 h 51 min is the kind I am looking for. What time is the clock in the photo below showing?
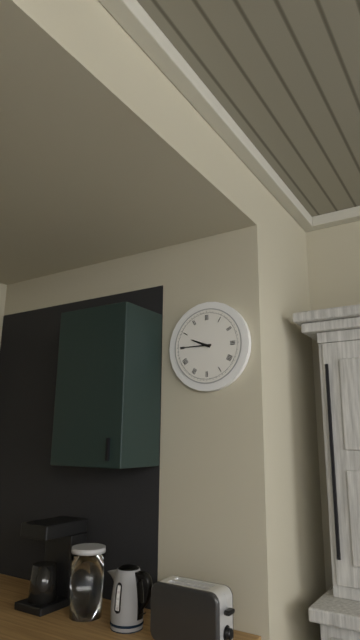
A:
9 h 45 min
